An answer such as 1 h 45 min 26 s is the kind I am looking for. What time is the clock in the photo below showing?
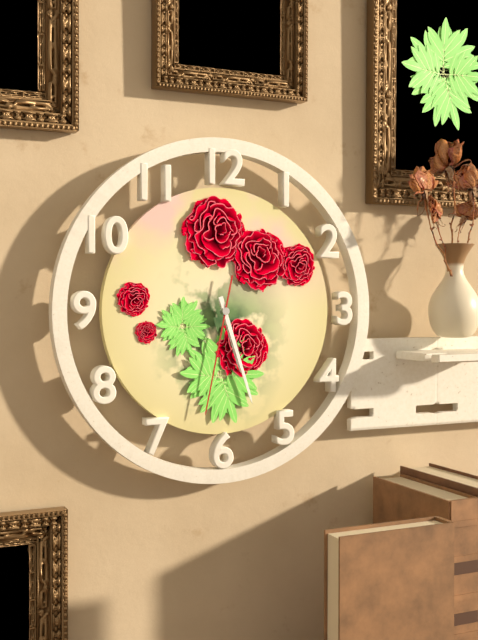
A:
5 h 27 min 32 s
